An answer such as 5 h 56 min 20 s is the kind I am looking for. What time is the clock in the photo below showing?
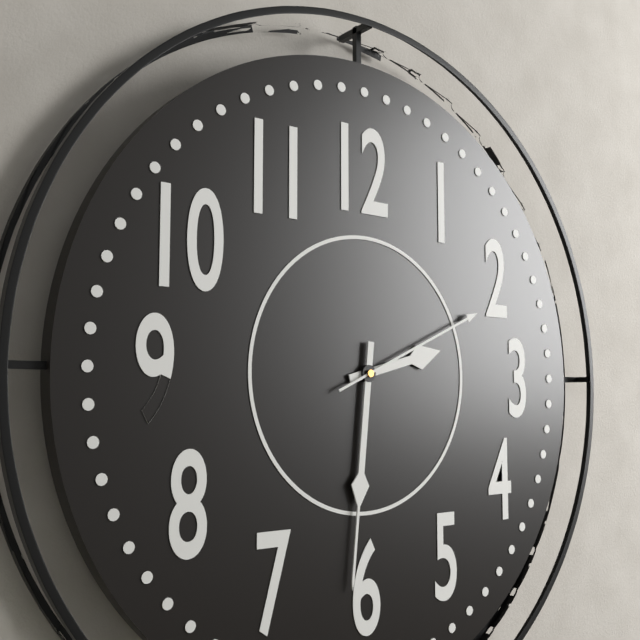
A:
2 h 31 min 11 s
